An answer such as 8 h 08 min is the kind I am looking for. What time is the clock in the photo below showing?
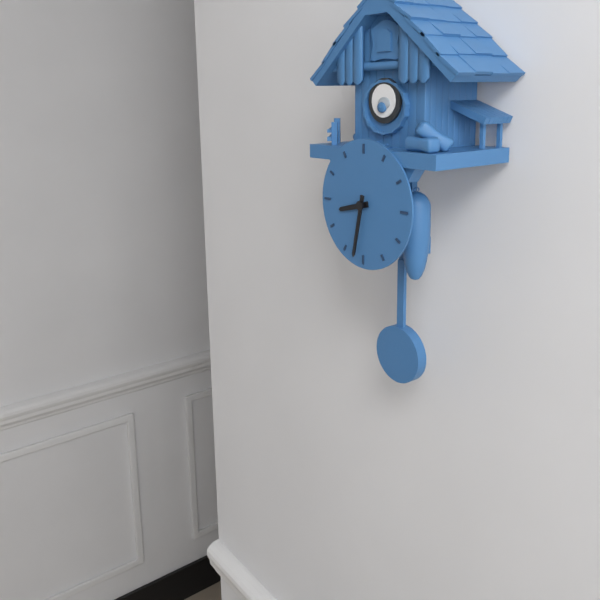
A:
8 h 32 min
